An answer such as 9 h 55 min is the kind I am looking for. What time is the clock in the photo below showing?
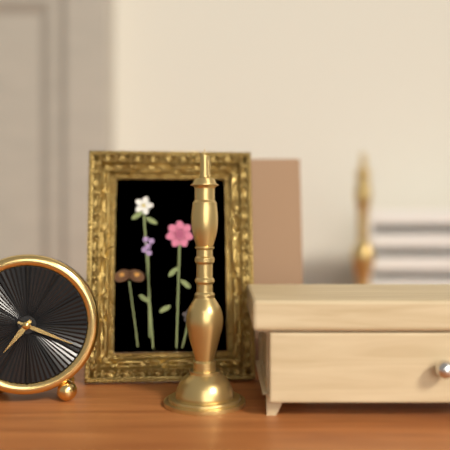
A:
7 h 19 min
